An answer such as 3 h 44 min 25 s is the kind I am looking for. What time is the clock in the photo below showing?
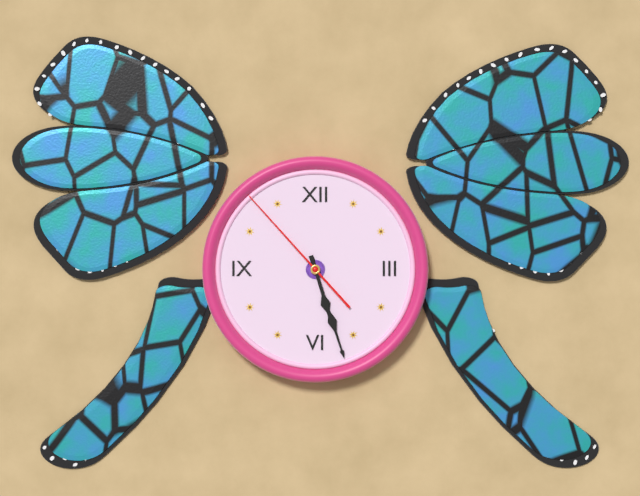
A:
5 h 27 min 53 s
